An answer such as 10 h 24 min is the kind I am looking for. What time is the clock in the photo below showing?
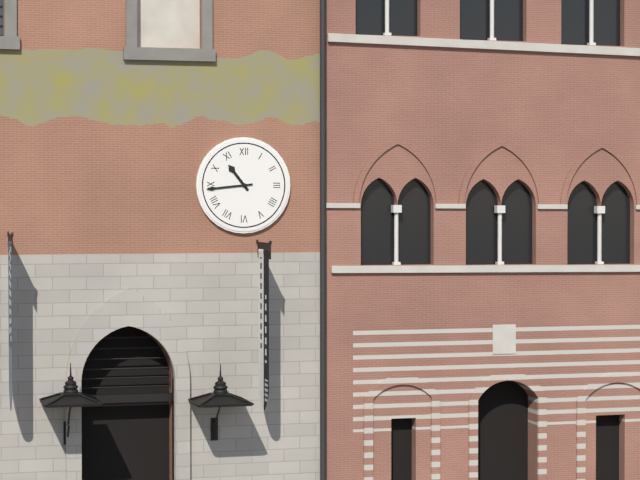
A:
10 h 44 min
